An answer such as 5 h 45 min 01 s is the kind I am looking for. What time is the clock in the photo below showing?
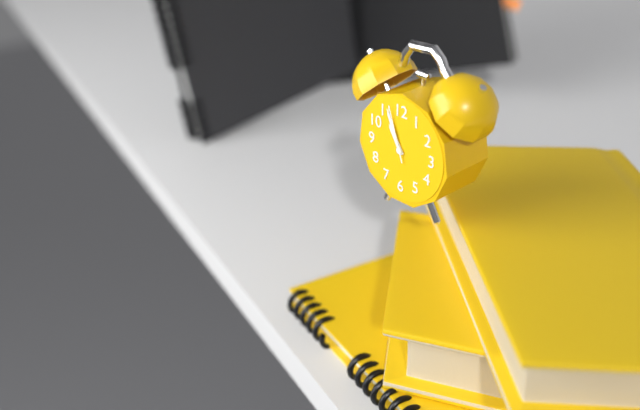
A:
10 h 56 min 57 s
